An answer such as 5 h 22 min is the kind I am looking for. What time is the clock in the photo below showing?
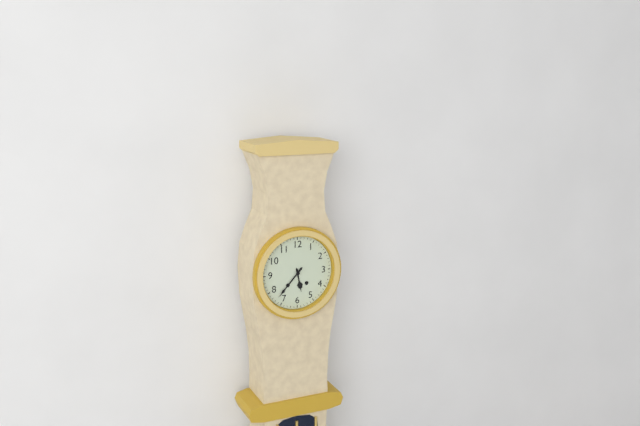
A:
5 h 37 min
